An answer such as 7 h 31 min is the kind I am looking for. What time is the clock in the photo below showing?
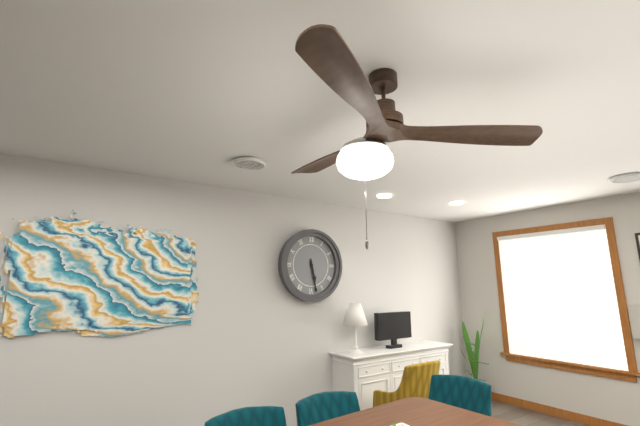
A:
5 h 28 min
